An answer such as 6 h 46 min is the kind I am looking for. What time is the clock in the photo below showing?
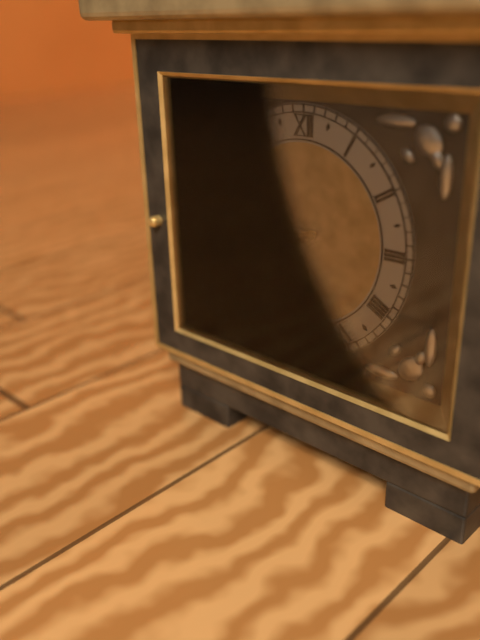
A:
8 h 42 min
